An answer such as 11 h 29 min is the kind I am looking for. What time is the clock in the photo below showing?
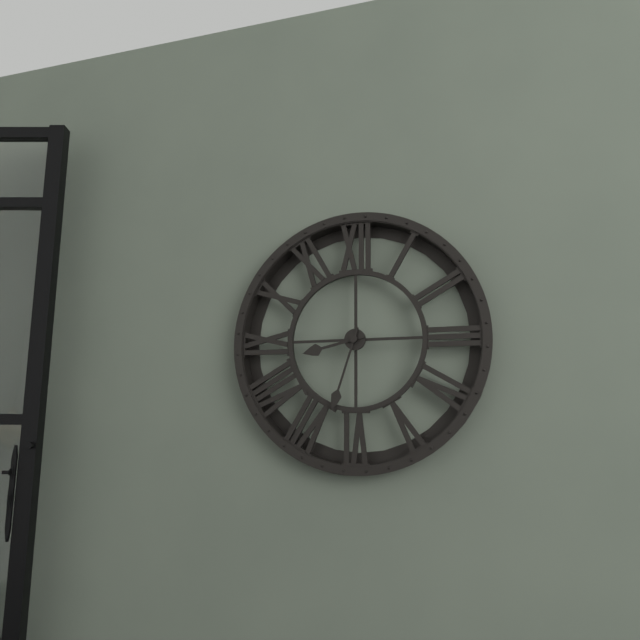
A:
8 h 33 min
